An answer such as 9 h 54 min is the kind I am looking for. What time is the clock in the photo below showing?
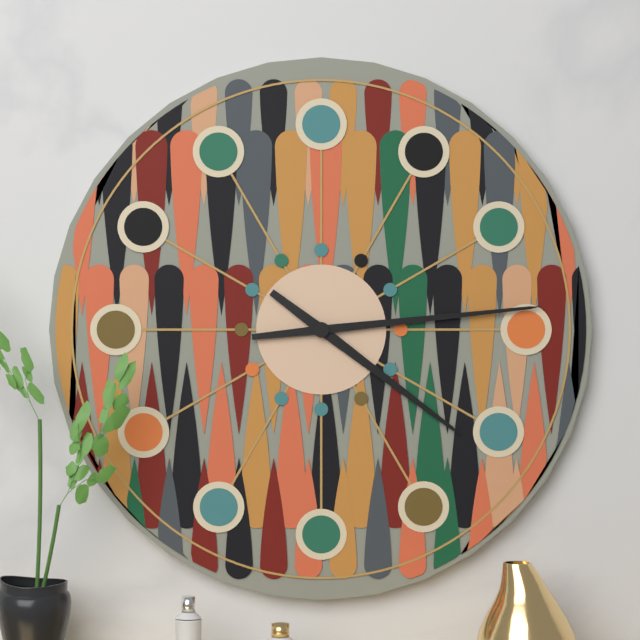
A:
4 h 14 min
